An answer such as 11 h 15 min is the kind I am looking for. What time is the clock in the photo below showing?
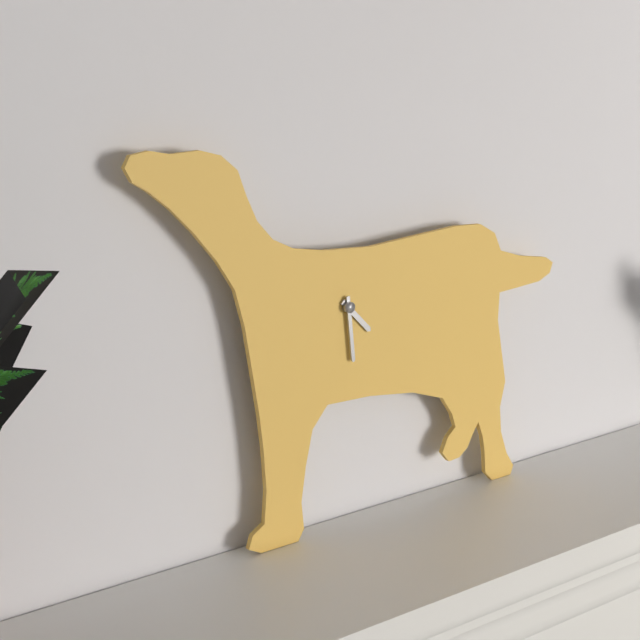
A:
4 h 29 min
